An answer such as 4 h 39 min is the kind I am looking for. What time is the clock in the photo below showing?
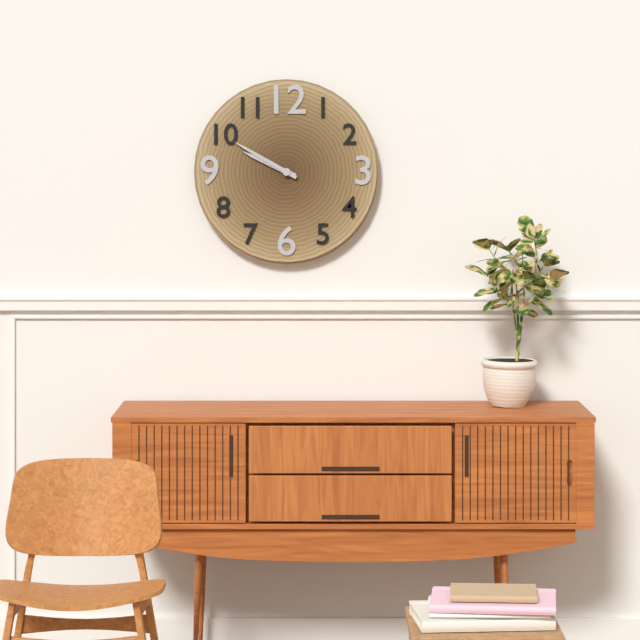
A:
9 h 50 min
